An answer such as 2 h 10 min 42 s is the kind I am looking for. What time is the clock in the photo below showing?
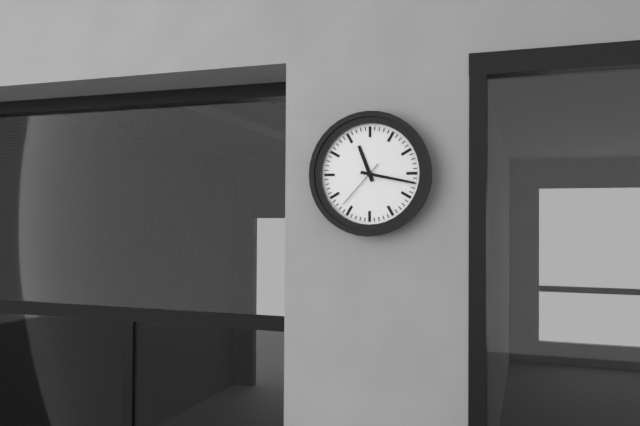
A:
11 h 17 min 37 s
